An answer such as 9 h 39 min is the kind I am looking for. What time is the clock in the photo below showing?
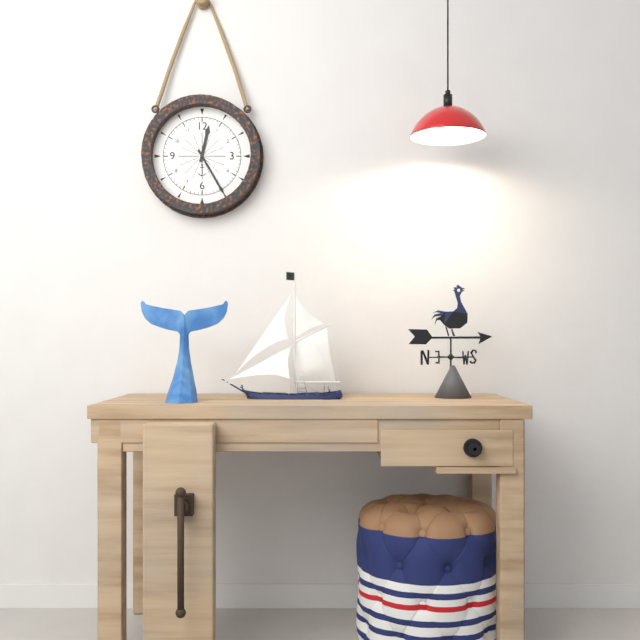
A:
12 h 25 min
